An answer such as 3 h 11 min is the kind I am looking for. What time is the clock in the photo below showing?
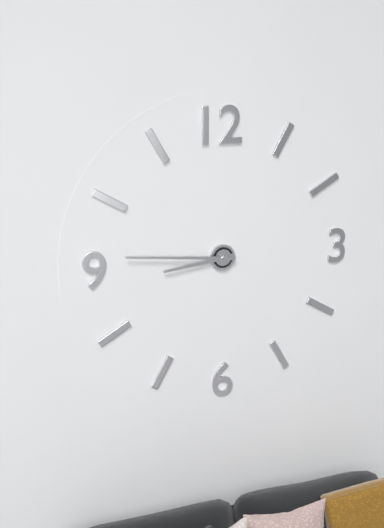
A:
8 h 46 min
